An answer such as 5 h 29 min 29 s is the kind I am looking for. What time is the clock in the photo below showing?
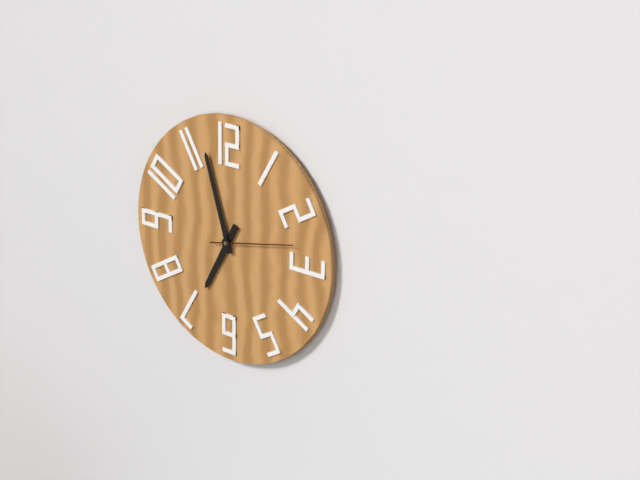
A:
6 h 57 min 13 s
